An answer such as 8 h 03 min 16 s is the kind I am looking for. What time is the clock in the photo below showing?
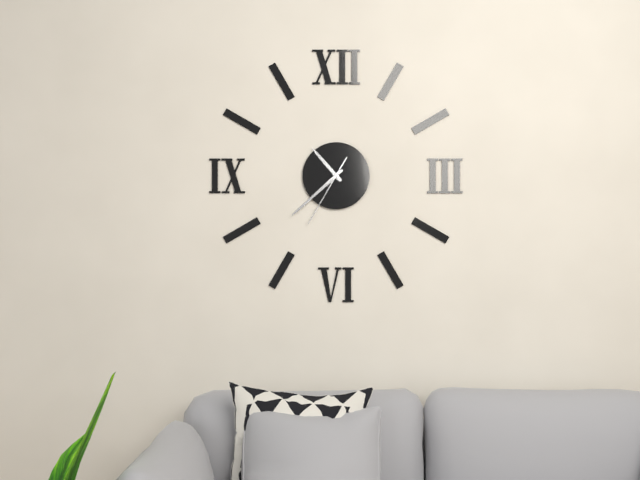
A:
10 h 38 min 35 s
